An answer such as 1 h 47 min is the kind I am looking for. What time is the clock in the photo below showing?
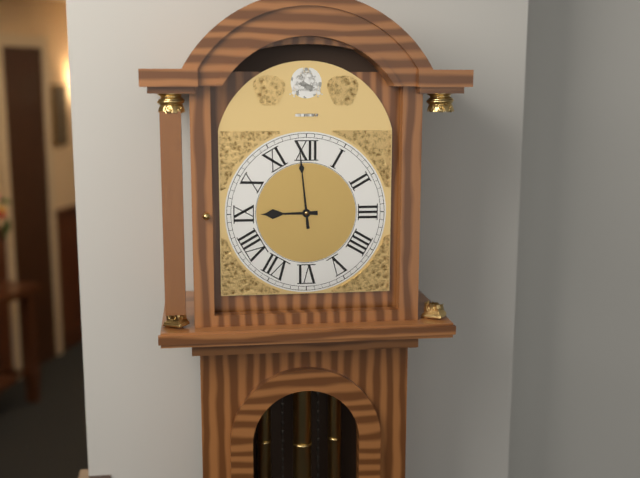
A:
8 h 59 min
